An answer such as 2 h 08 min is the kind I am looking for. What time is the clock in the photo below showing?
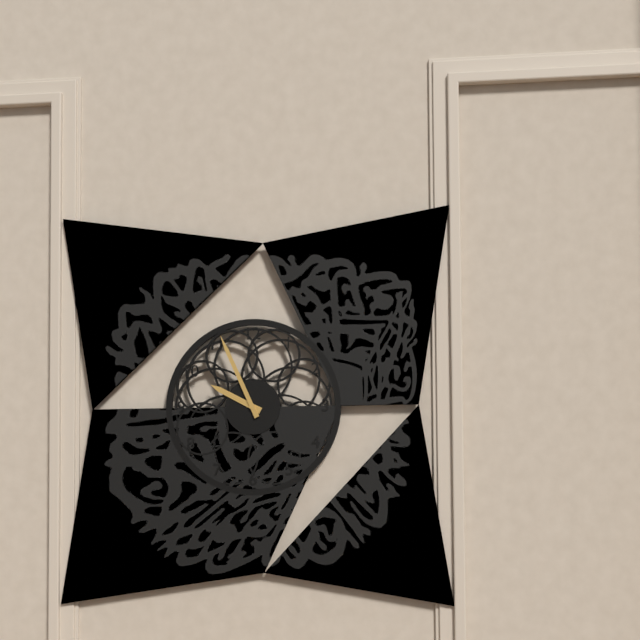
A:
9 h 56 min
